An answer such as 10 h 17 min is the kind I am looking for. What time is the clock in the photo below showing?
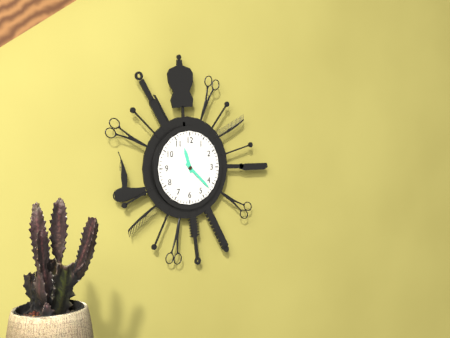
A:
11 h 22 min
